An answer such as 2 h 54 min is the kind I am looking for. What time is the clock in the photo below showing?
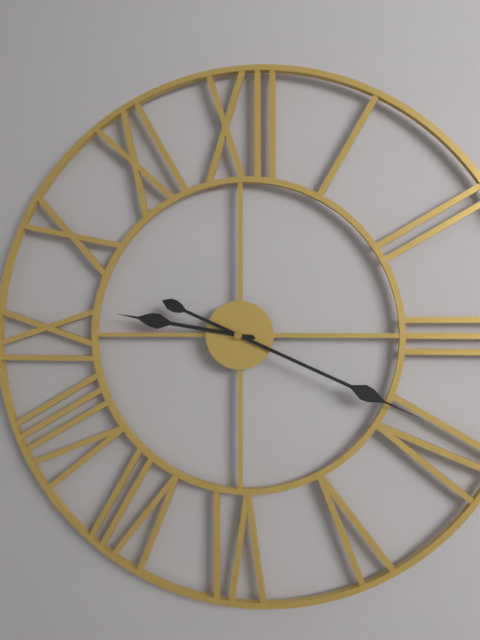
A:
9 h 19 min
